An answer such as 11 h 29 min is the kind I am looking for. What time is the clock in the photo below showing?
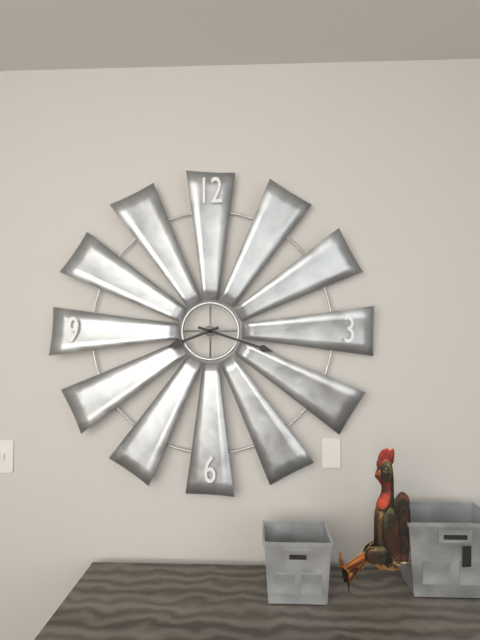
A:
8 h 18 min
